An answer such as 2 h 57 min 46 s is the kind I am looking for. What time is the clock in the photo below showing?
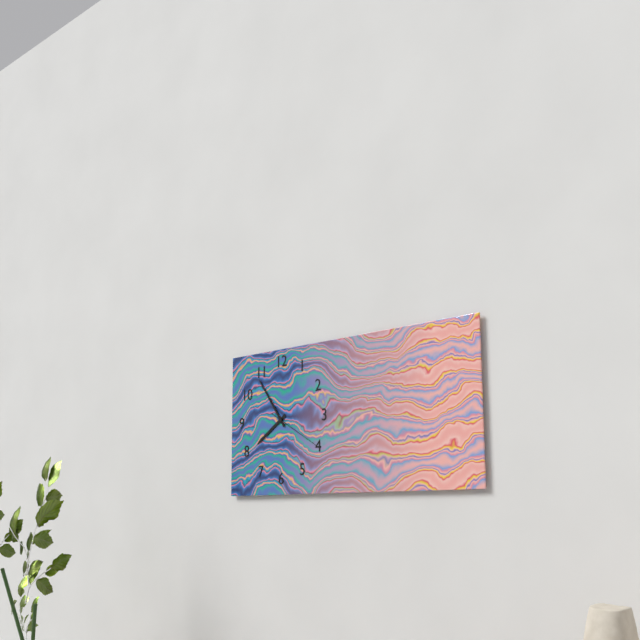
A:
7 h 54 min 20 s
